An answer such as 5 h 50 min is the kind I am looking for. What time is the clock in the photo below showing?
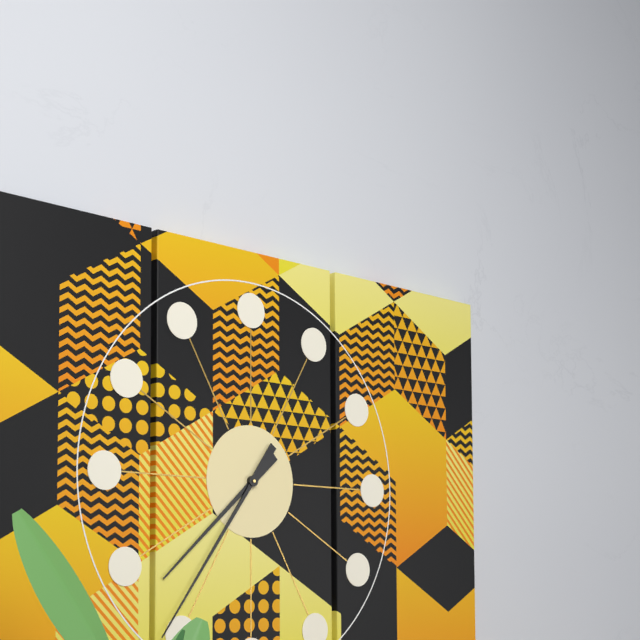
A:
7 h 36 min
